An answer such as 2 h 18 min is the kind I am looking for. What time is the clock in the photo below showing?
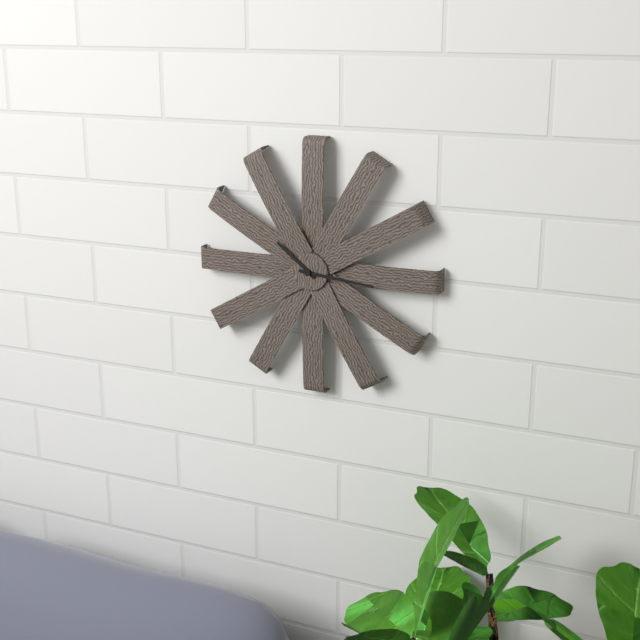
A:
10 h 16 min
